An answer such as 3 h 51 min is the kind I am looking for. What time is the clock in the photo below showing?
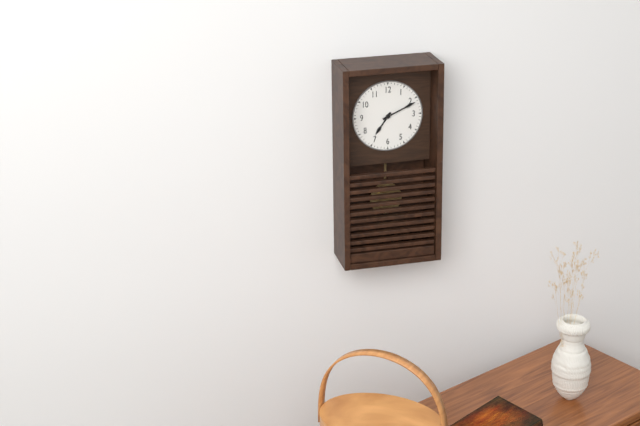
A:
7 h 11 min
